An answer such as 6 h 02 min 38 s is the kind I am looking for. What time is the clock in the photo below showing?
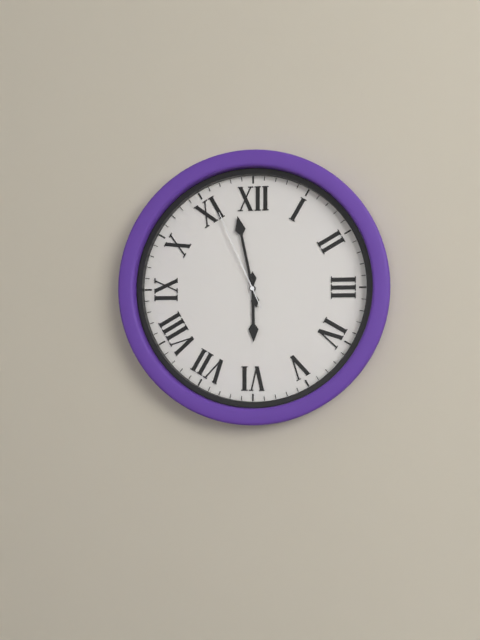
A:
5 h 58 min 56 s
